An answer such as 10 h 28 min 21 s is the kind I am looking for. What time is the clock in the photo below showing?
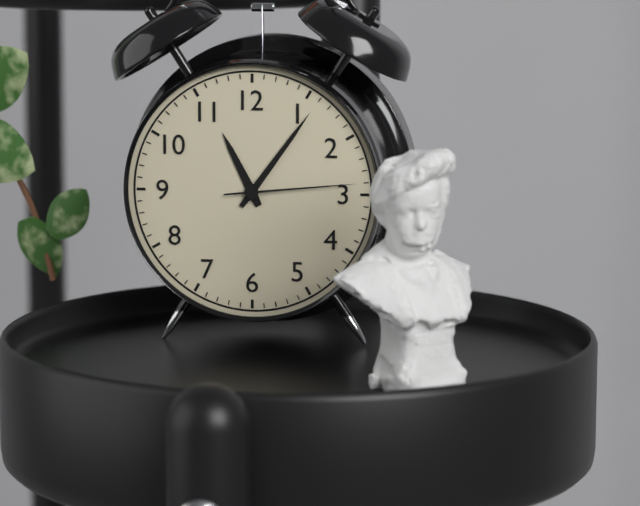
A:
11 h 06 min 14 s
